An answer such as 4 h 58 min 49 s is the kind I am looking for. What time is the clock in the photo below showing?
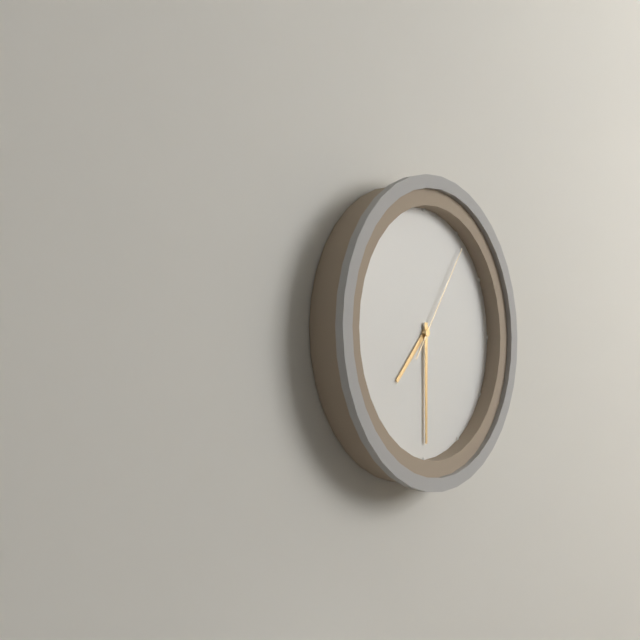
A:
7 h 30 min 06 s
